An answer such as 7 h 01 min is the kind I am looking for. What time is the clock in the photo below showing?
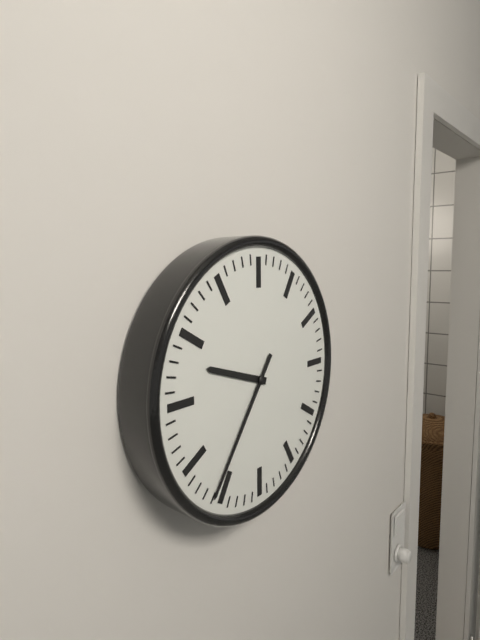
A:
9 h 36 min
